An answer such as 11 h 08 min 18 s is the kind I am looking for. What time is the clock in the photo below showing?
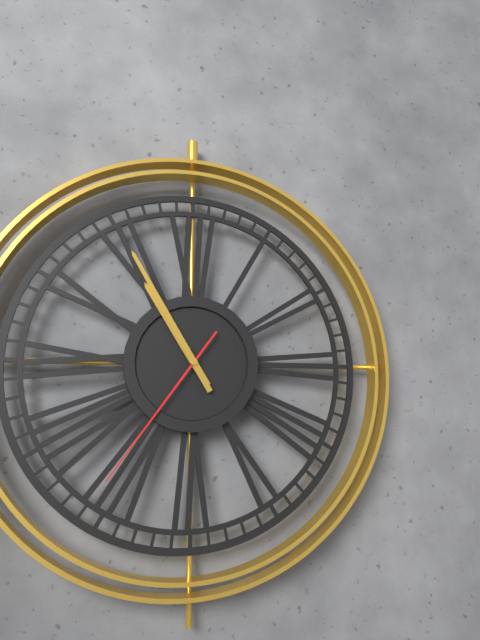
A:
10 h 55 min 36 s
